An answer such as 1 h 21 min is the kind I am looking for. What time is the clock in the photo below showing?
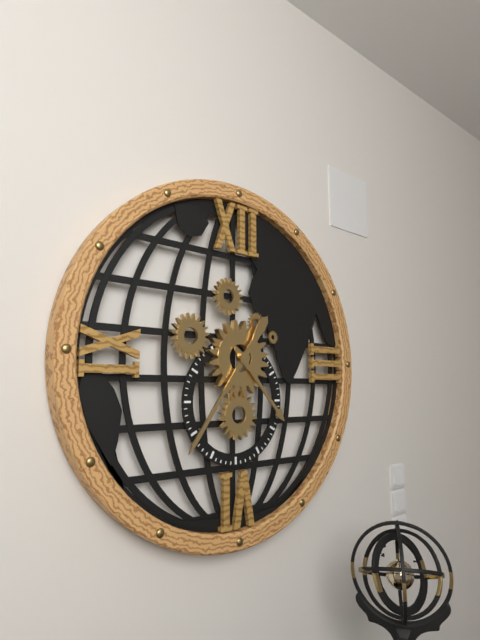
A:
4 h 36 min
